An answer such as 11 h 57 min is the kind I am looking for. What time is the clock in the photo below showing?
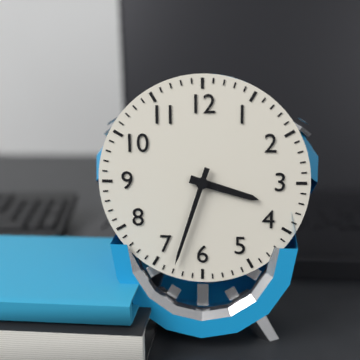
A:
3 h 33 min
